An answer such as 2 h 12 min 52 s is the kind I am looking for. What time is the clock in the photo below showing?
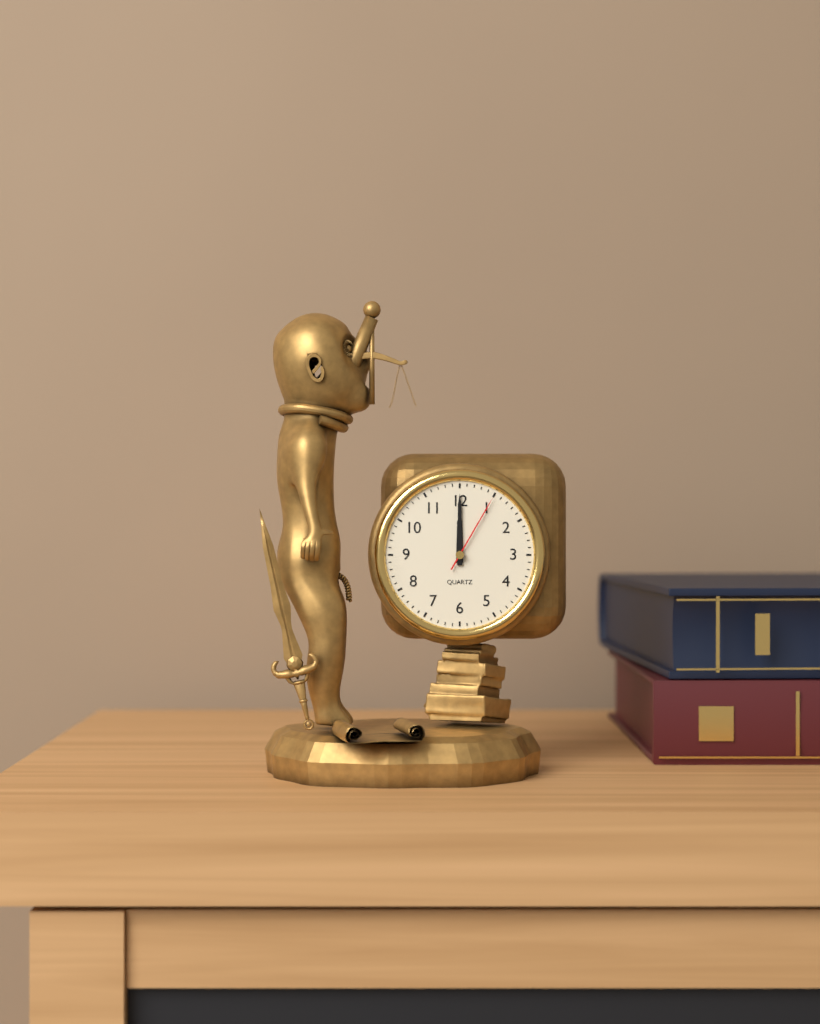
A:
12 h 00 min 05 s
